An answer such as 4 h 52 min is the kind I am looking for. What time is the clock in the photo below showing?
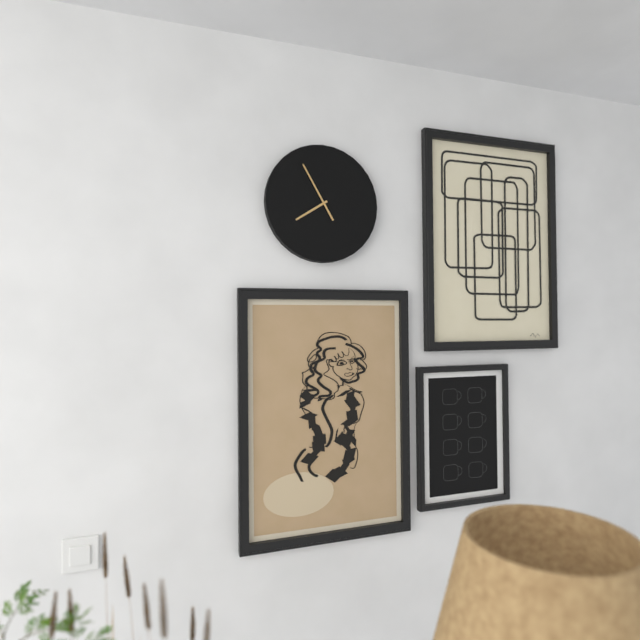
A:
7 h 55 min
